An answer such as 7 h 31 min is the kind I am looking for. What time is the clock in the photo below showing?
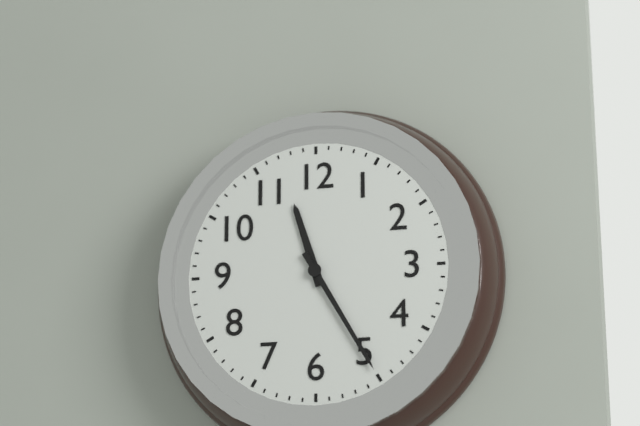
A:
11 h 25 min
